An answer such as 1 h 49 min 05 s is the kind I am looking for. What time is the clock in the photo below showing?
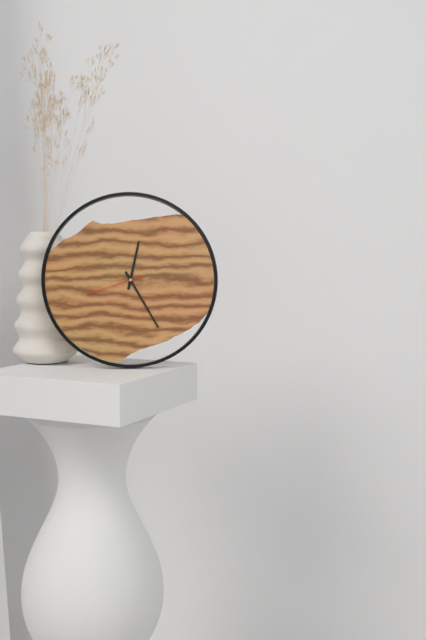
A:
12 h 25 min 42 s
